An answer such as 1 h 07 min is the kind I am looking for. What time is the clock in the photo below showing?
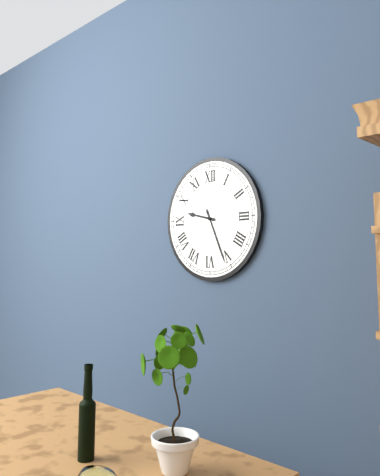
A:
9 h 26 min
